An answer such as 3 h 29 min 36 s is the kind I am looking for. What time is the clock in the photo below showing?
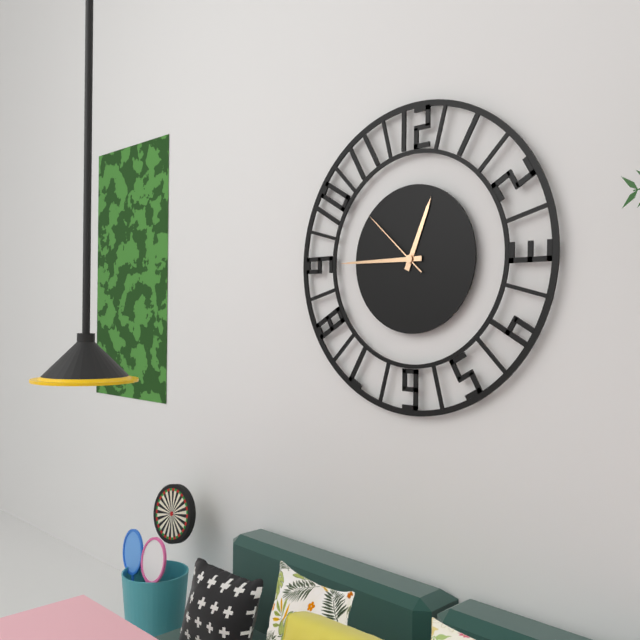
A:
12 h 45 min 52 s
